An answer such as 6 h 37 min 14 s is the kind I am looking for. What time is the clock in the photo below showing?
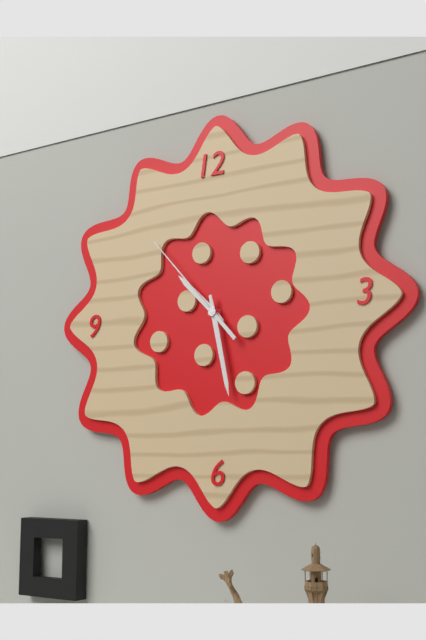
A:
10 h 28 min 53 s
